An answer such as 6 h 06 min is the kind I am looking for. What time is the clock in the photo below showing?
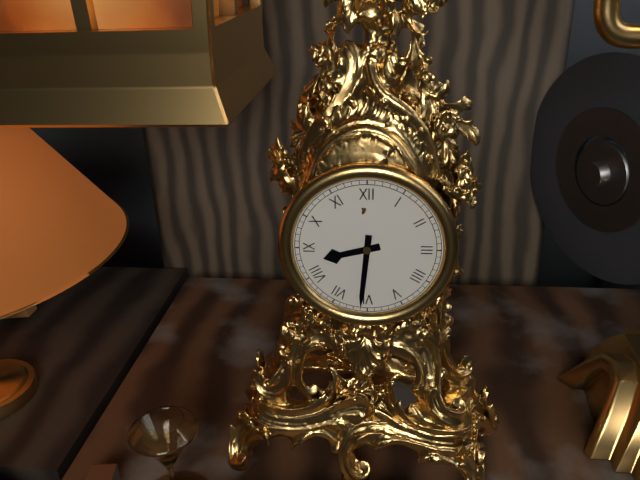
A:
8 h 31 min
